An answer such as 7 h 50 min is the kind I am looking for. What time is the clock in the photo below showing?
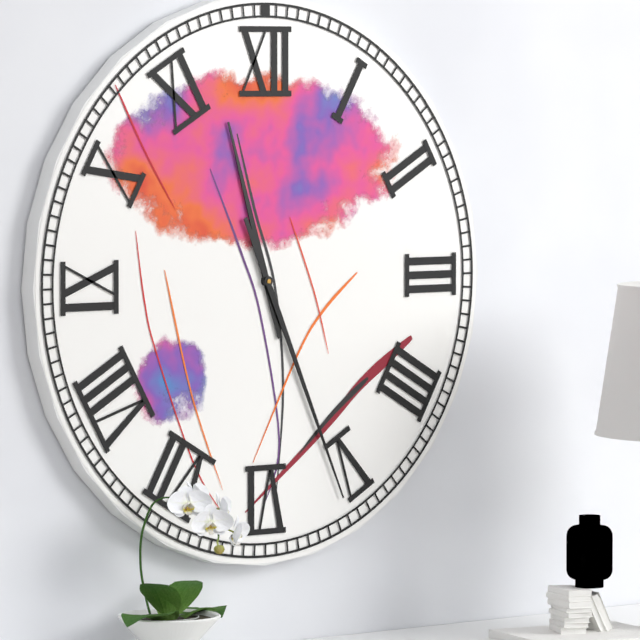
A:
11 h 26 min
